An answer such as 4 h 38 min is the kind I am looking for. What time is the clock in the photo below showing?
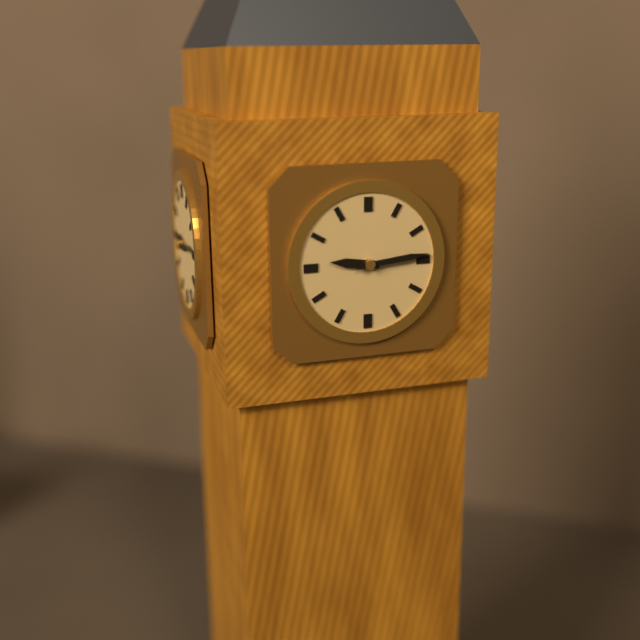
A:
9 h 14 min
